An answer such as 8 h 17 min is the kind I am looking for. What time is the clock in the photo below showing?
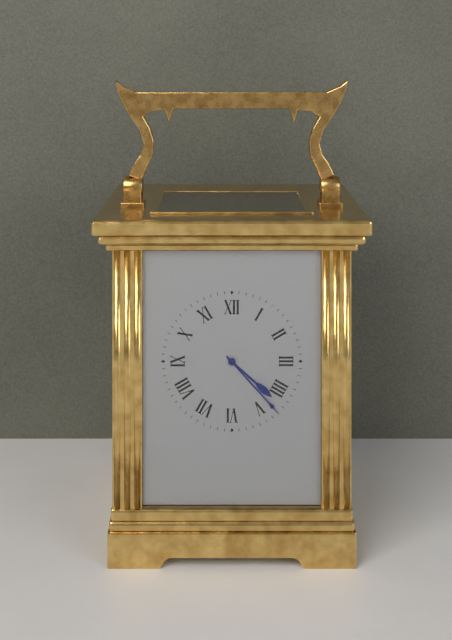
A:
4 h 23 min
